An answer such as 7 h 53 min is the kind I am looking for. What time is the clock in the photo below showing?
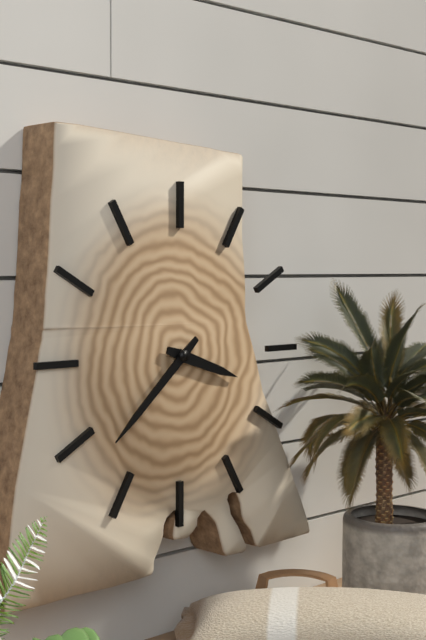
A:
3 h 38 min
